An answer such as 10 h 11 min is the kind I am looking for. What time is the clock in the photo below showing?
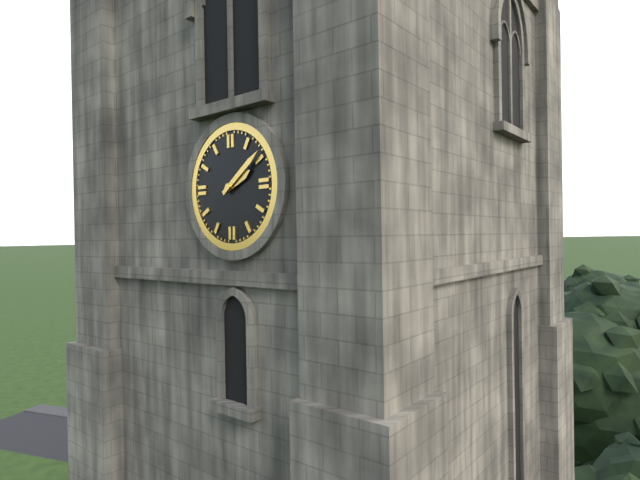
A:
2 h 09 min
